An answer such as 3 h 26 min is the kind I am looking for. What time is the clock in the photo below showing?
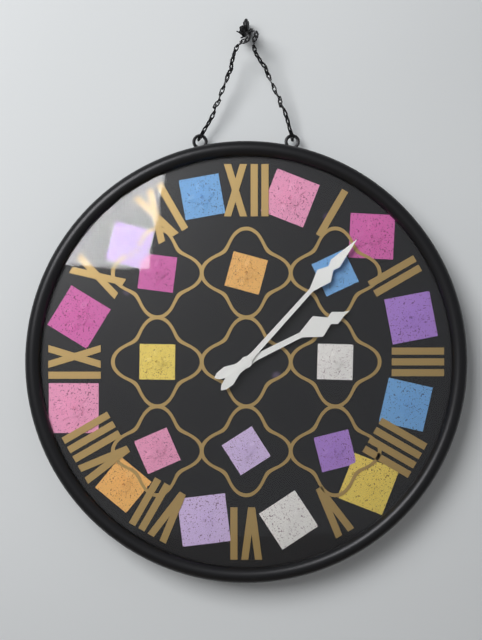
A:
2 h 07 min
